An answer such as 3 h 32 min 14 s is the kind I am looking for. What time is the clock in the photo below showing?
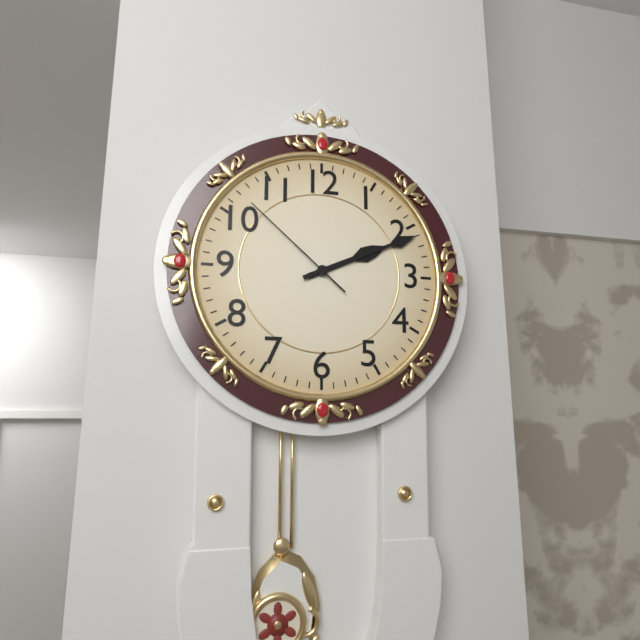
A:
2 h 11 min 52 s
